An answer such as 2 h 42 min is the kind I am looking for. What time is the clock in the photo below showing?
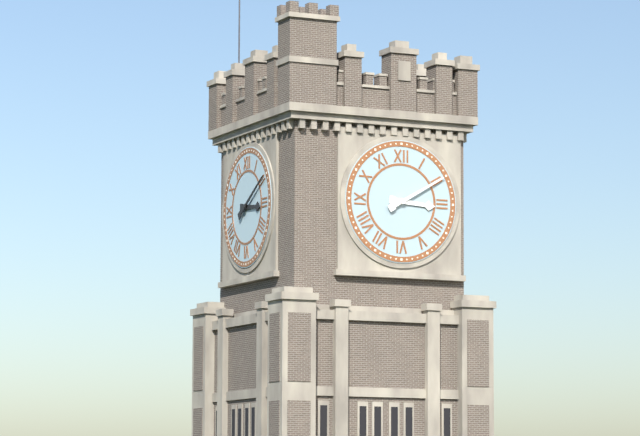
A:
3 h 10 min
